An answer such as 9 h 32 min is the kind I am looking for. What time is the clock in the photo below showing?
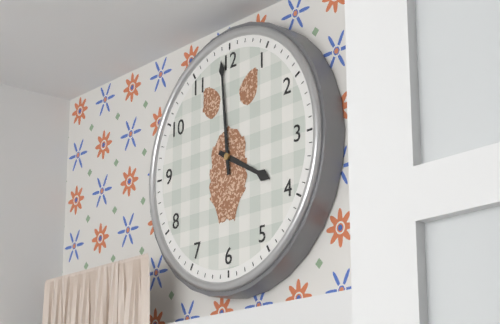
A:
3 h 59 min
